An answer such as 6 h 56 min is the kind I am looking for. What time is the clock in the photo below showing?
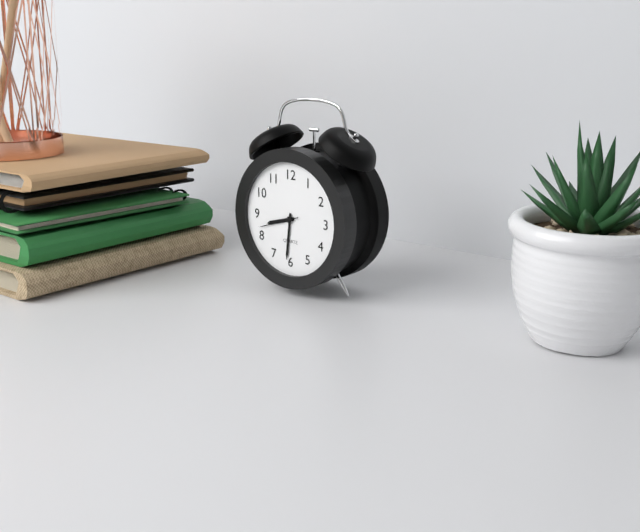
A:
8 h 31 min
